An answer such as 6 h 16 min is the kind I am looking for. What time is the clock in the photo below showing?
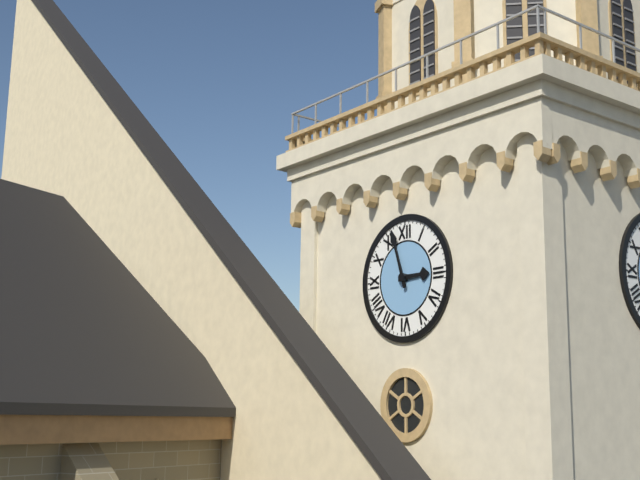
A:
2 h 57 min
